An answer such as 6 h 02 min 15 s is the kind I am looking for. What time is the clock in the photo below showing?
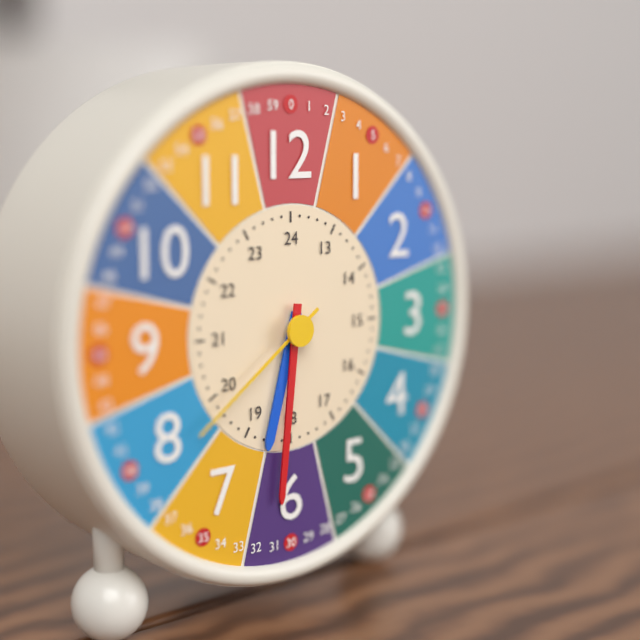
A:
6 h 31 min 39 s
